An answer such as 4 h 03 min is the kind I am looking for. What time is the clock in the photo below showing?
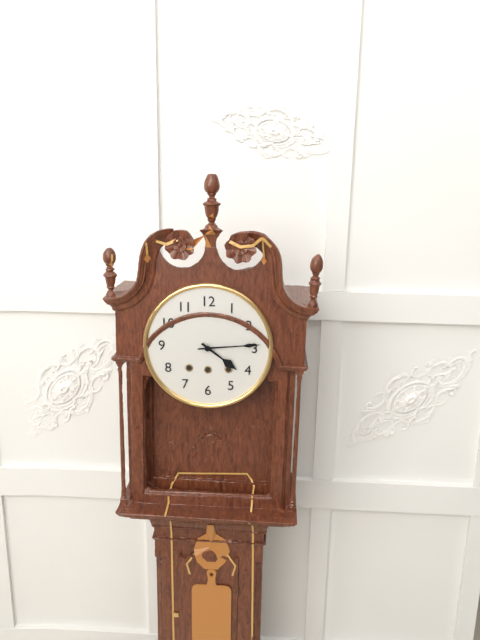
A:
4 h 14 min
